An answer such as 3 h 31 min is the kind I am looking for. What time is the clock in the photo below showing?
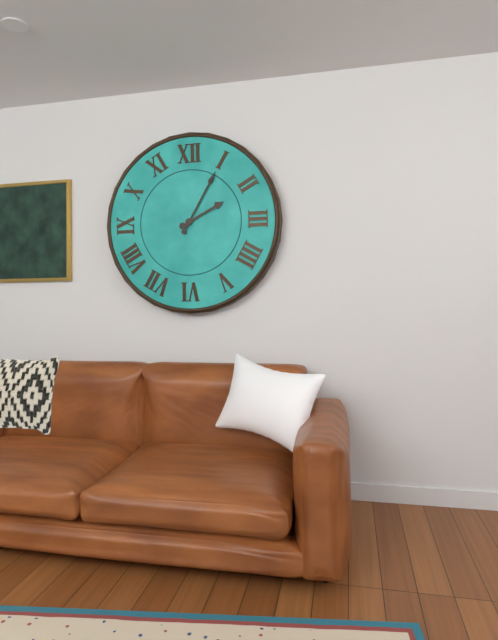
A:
2 h 05 min
